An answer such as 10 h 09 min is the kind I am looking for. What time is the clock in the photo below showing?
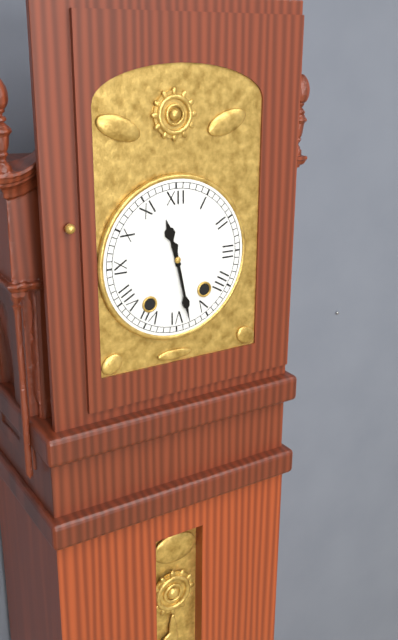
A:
11 h 28 min
